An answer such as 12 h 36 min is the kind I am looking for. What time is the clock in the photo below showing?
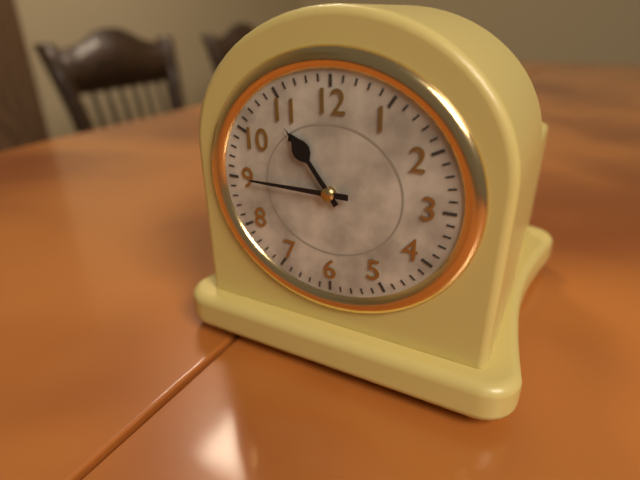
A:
10 h 45 min
